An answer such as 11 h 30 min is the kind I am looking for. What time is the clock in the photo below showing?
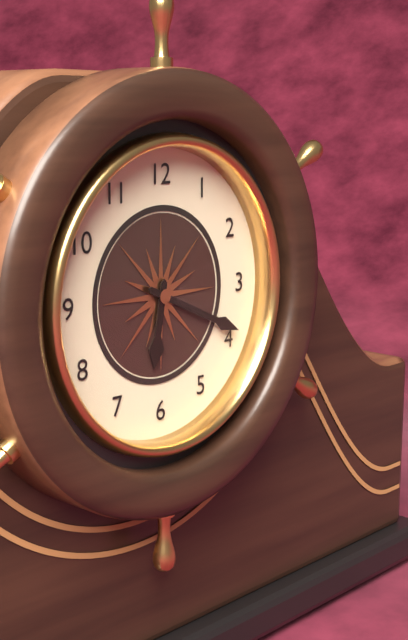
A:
6 h 19 min
